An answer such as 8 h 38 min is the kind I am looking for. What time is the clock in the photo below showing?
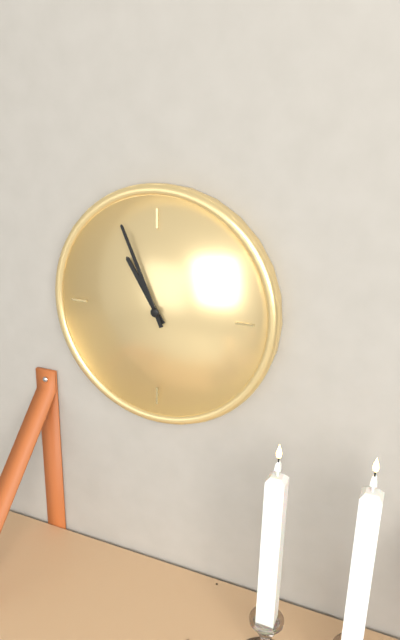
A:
10 h 56 min
